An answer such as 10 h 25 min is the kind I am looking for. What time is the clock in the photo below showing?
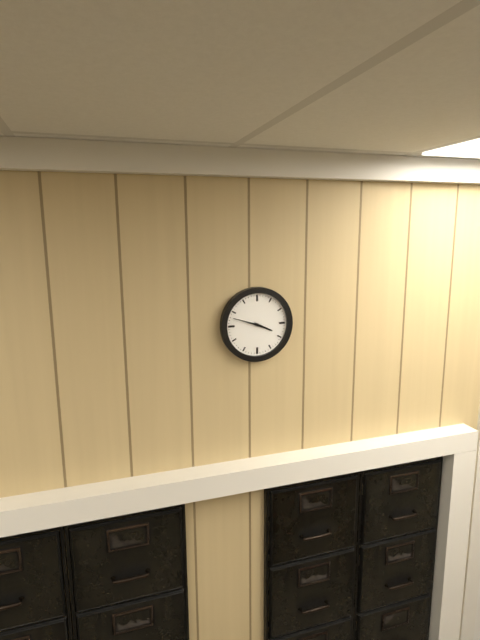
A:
3 h 48 min
